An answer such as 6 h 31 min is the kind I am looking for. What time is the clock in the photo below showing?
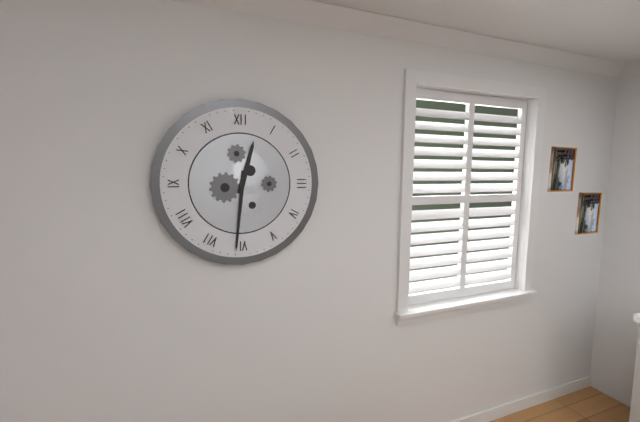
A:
12 h 31 min
